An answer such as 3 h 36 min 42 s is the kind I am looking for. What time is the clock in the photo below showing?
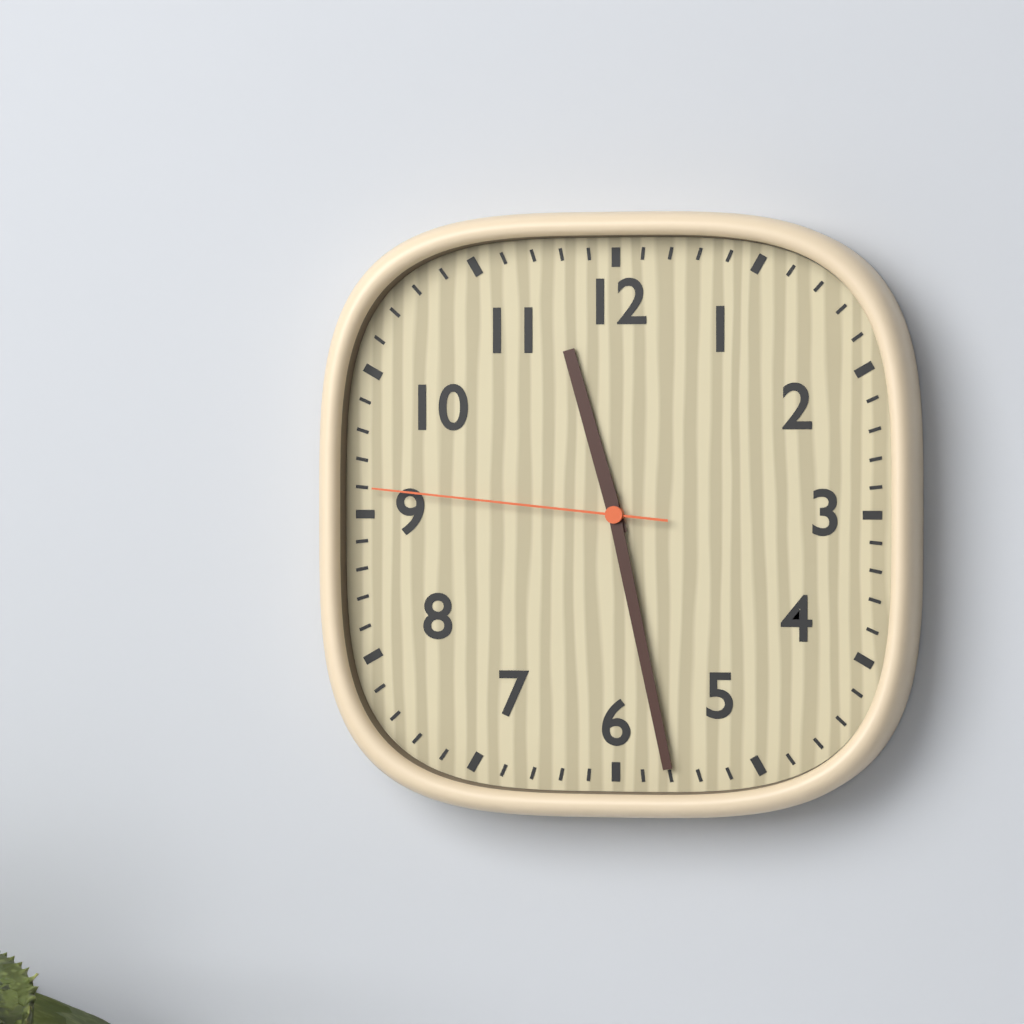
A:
11 h 28 min 46 s
